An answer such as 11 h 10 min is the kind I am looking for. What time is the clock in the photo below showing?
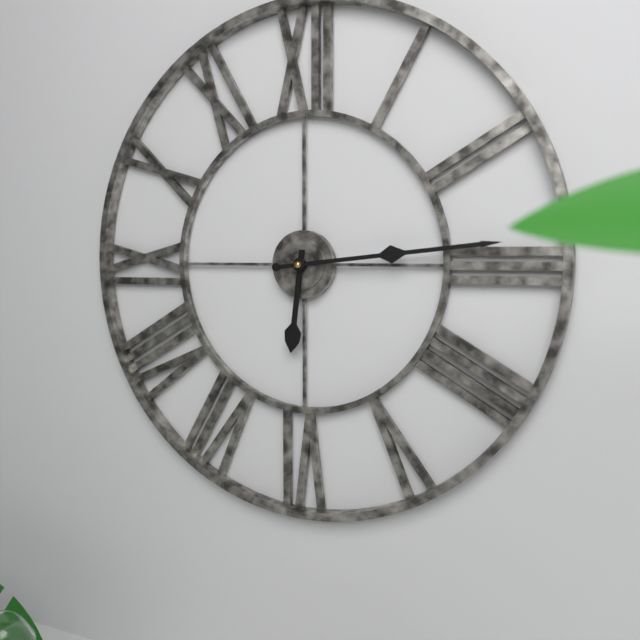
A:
6 h 14 min
